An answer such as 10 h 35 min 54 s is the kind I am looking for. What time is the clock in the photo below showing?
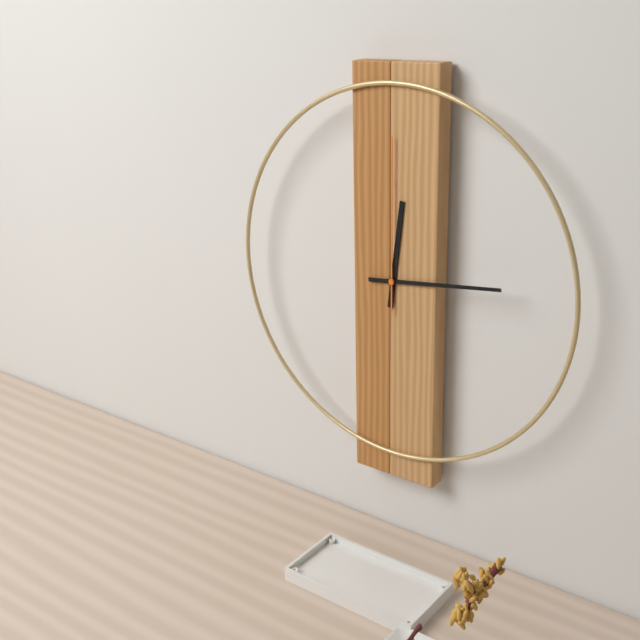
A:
12 h 14 min 00 s
